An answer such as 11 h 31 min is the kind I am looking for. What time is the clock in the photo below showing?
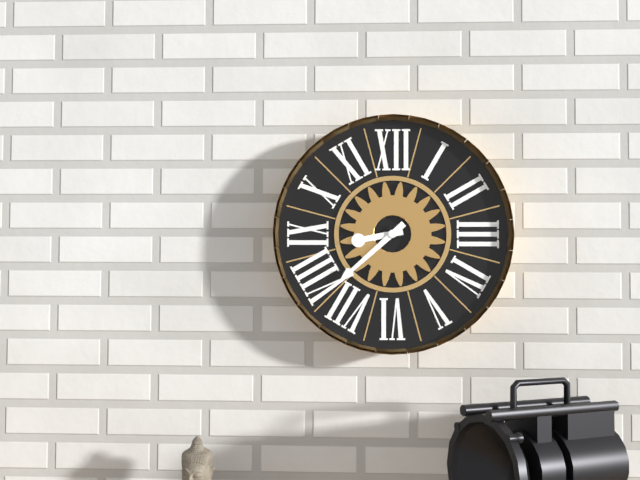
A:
8 h 38 min
